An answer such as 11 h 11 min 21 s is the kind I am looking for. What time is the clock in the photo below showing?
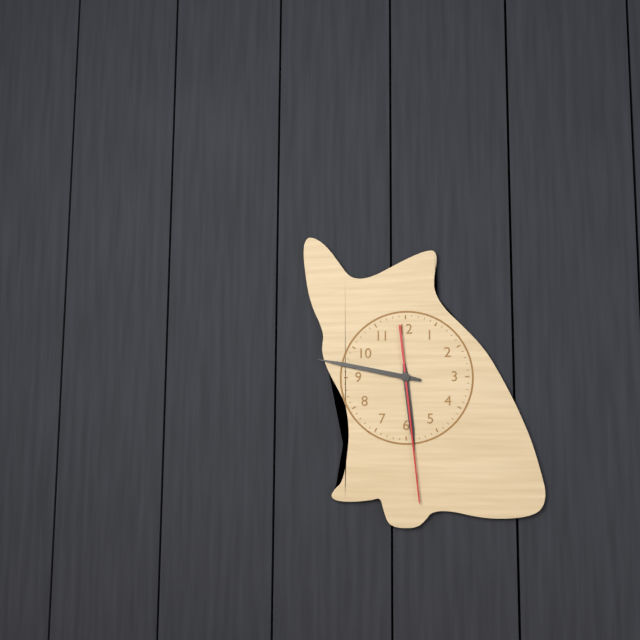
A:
5 h 47 min 29 s
